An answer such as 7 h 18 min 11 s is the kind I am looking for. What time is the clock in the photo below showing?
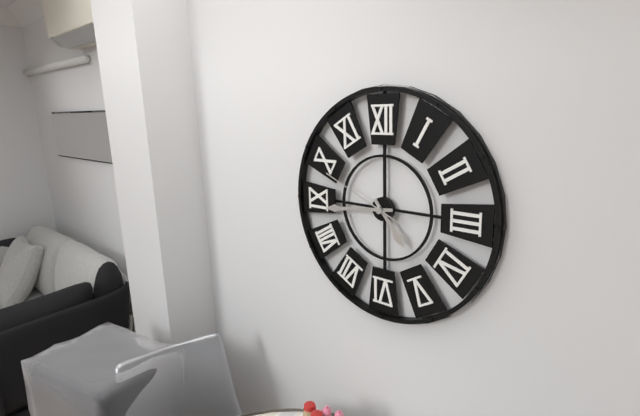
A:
4 h 44 min 49 s
